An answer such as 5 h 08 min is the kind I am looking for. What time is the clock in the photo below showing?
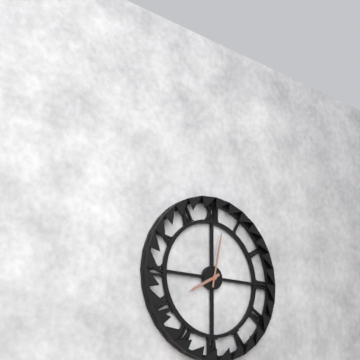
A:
8 h 02 min
